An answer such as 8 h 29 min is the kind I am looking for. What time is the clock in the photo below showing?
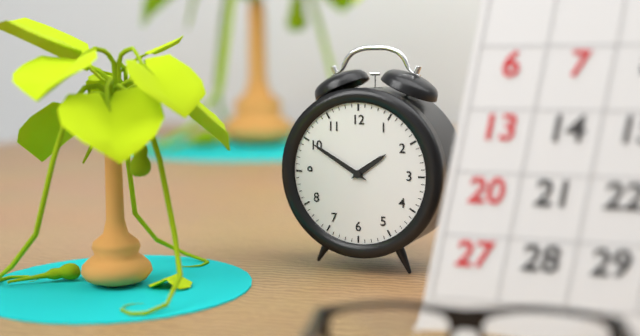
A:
1 h 50 min
